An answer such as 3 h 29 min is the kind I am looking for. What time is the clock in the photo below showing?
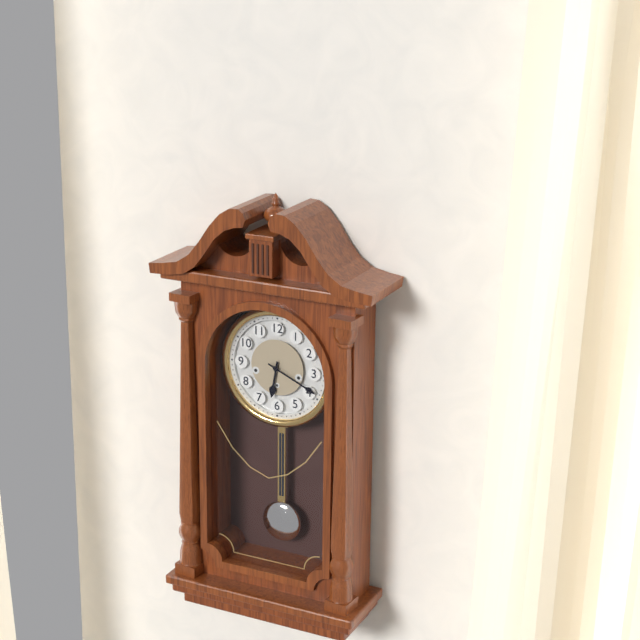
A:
6 h 19 min
